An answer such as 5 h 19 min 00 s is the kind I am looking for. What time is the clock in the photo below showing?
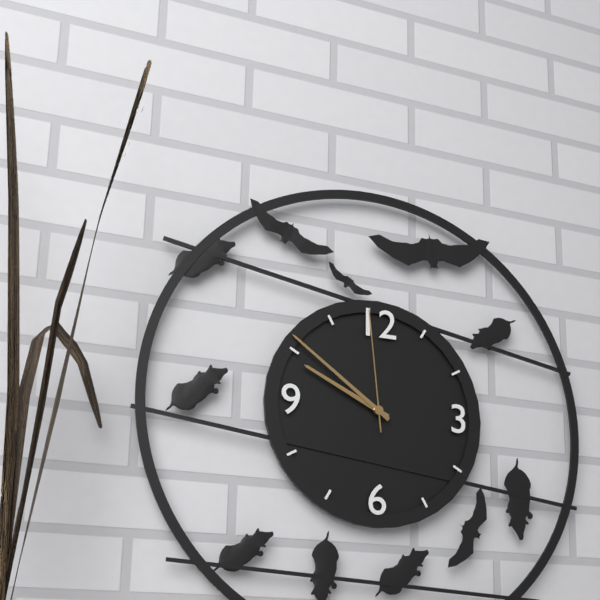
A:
9 h 51 min 59 s
